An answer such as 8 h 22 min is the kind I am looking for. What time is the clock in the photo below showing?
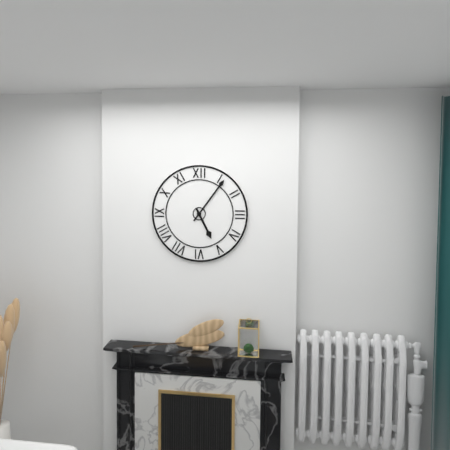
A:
5 h 06 min
